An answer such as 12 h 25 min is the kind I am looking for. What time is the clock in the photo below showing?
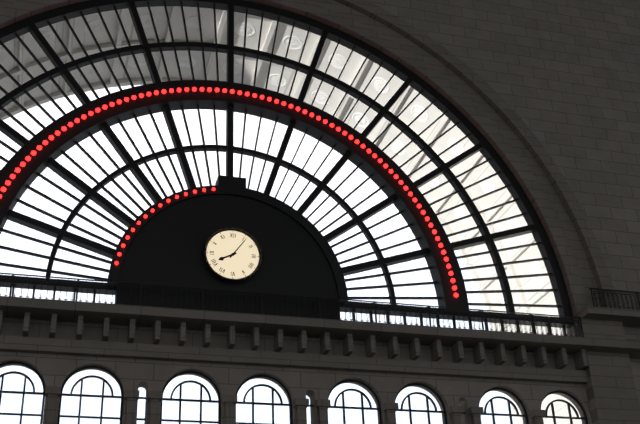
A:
8 h 06 min
